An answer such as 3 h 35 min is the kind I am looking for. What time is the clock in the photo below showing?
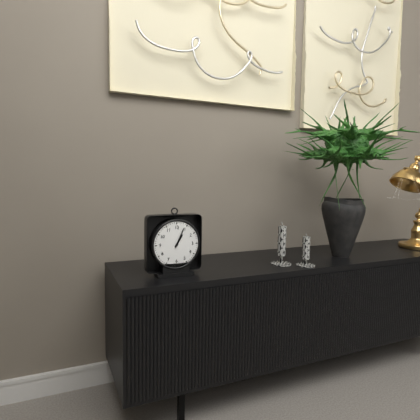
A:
1 h 04 min
